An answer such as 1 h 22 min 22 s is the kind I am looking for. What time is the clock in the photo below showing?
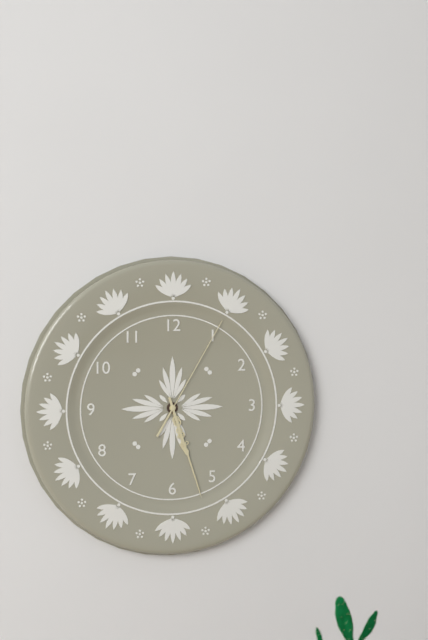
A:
5 h 27 min 05 s
